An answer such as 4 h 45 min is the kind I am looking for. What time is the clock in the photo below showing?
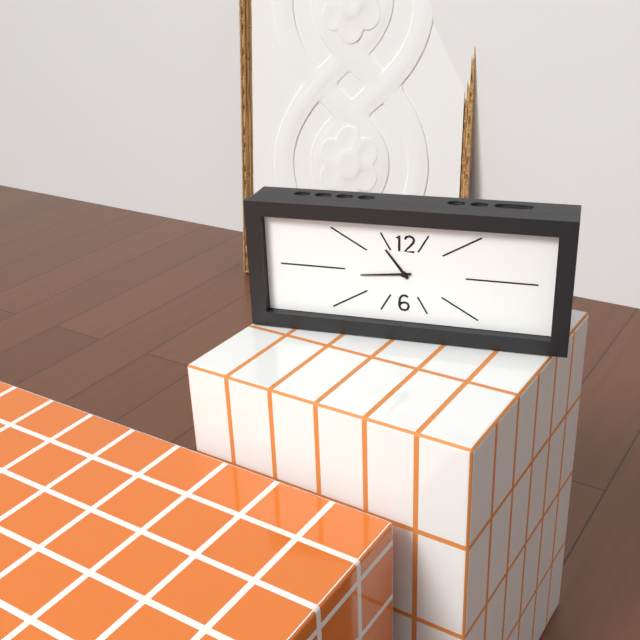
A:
10 h 44 min
